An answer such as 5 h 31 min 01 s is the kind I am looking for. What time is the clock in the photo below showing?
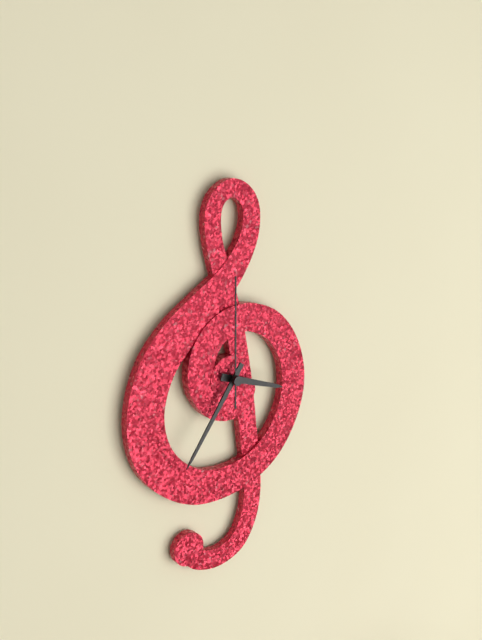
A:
3 h 36 min 00 s
